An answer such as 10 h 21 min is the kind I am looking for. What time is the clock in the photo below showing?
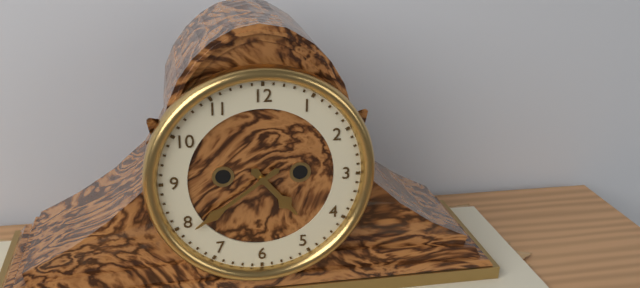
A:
4 h 39 min
